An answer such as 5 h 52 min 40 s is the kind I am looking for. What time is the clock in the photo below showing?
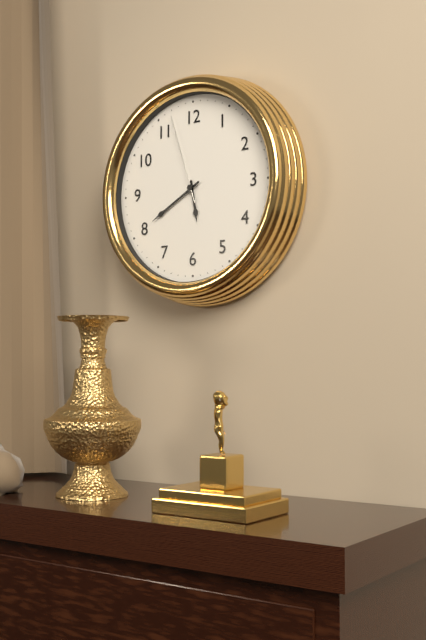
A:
5 h 40 min 57 s
